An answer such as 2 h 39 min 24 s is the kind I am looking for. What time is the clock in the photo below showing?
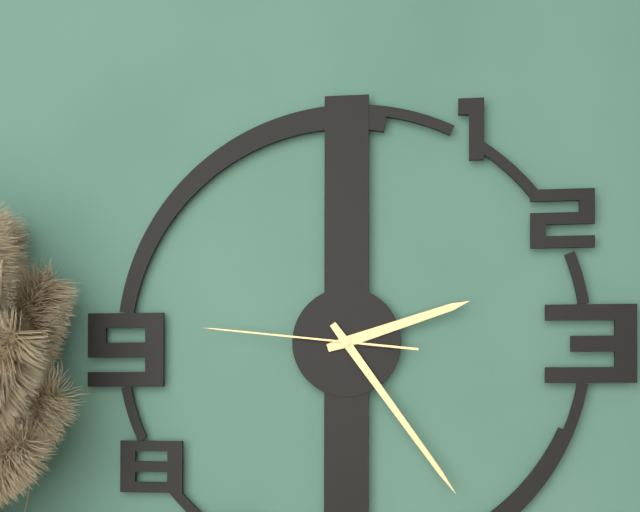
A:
2 h 24 min 46 s
